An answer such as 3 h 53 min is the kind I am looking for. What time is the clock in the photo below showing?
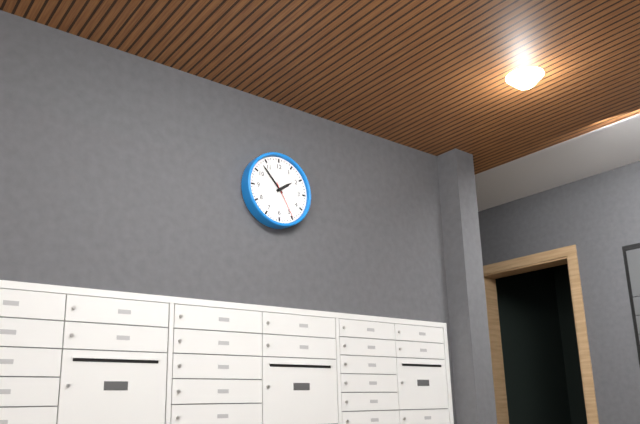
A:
1 h 53 min
